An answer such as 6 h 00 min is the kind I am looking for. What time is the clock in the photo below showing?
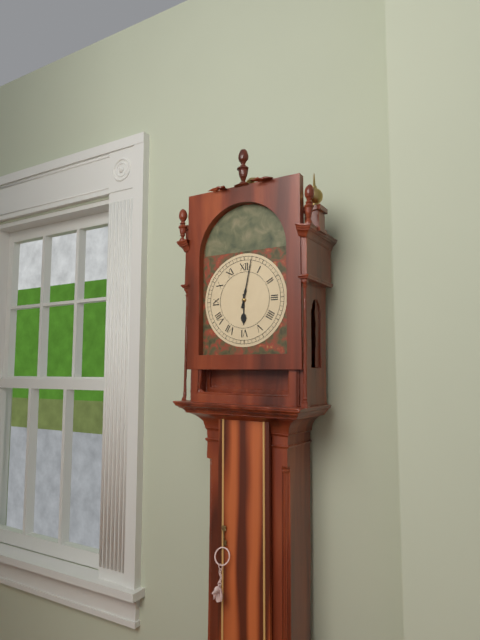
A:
6 h 02 min
